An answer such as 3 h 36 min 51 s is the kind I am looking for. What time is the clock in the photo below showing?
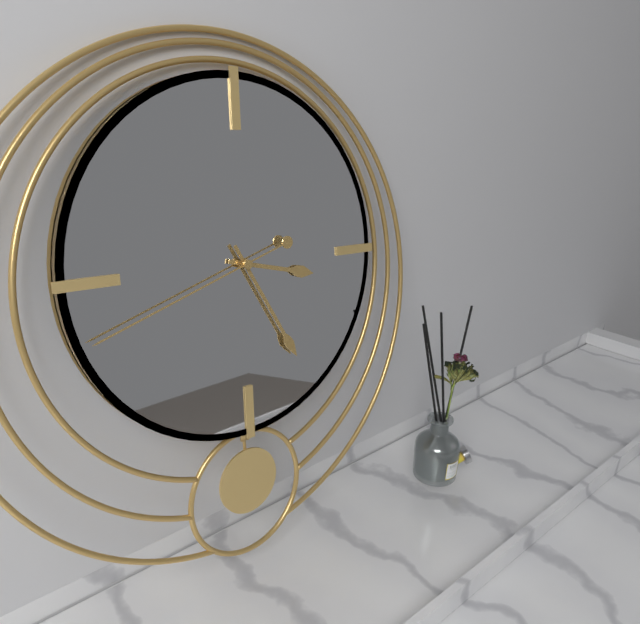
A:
3 h 25 min 42 s
